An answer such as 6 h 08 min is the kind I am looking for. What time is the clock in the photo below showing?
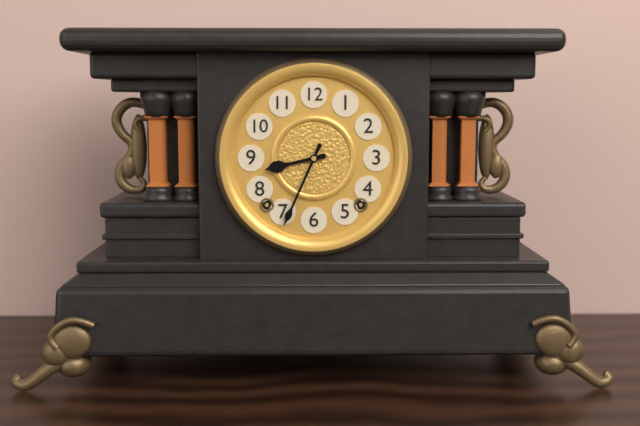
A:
8 h 34 min
